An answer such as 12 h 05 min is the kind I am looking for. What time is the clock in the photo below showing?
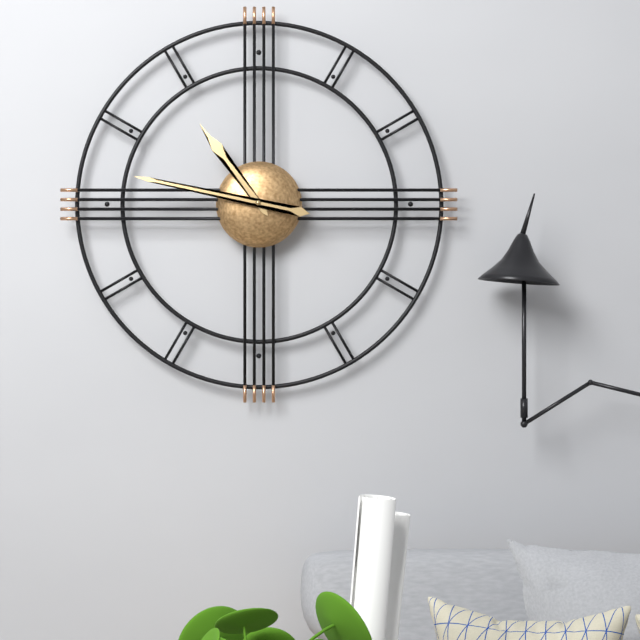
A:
10 h 47 min
